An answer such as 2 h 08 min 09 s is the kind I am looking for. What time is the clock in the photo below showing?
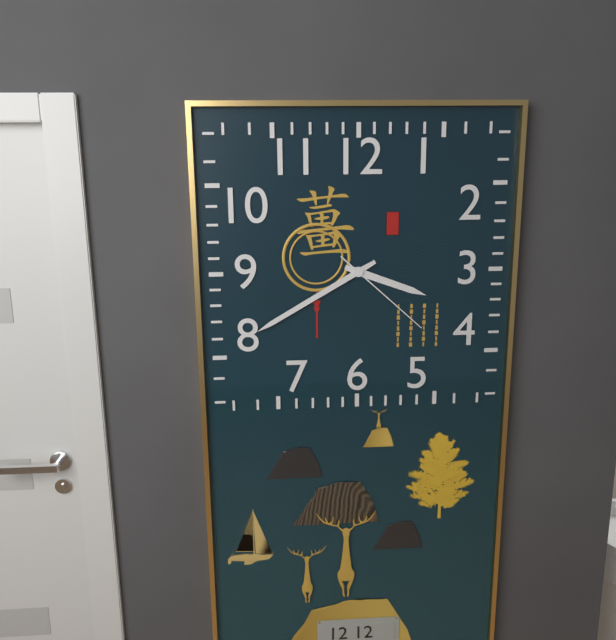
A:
3 h 40 min 22 s
